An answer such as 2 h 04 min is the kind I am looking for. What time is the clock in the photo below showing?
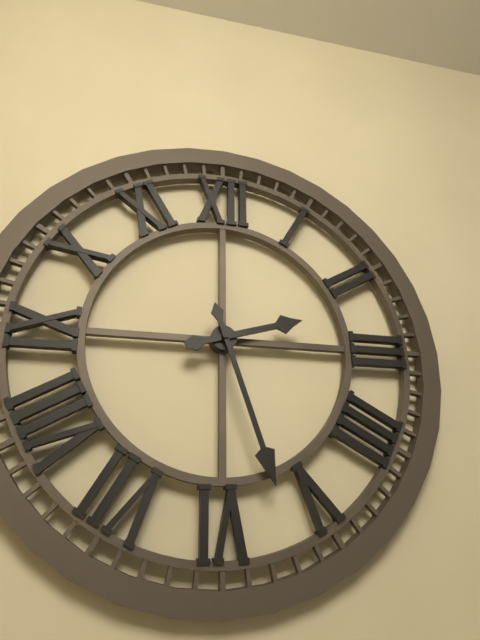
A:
2 h 27 min
